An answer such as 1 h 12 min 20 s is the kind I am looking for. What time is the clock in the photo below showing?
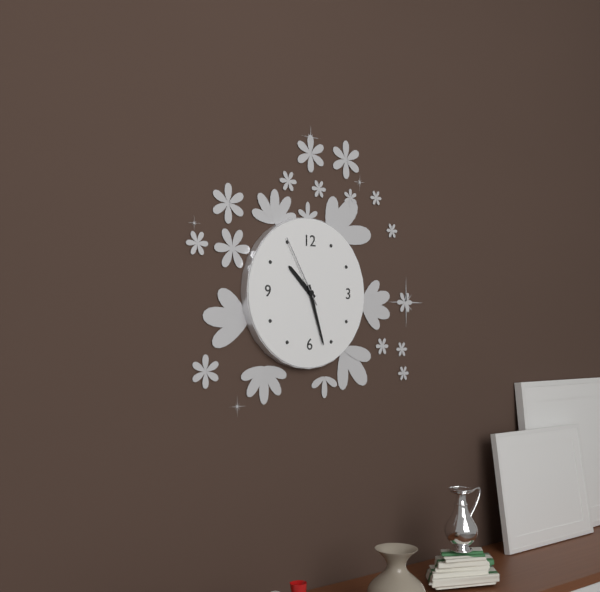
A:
10 h 27 min 55 s
